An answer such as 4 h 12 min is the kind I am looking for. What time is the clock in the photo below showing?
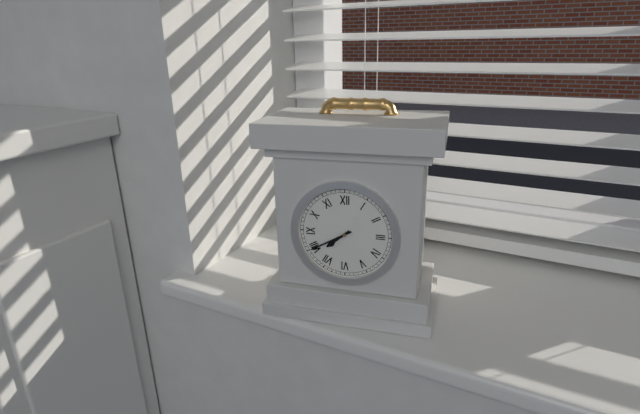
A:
7 h 40 min
